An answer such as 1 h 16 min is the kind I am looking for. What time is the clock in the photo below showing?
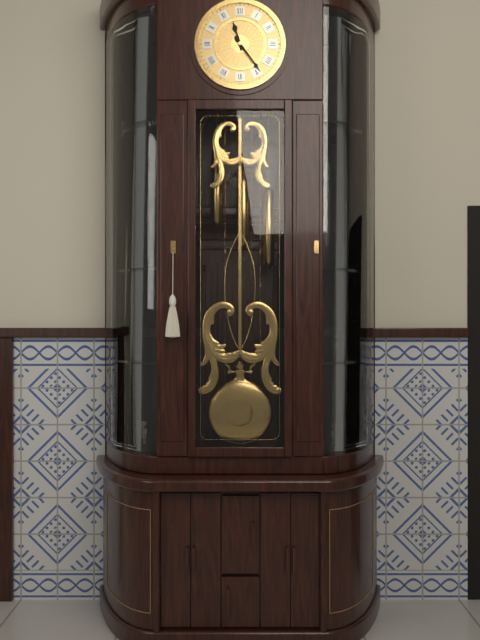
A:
11 h 24 min
